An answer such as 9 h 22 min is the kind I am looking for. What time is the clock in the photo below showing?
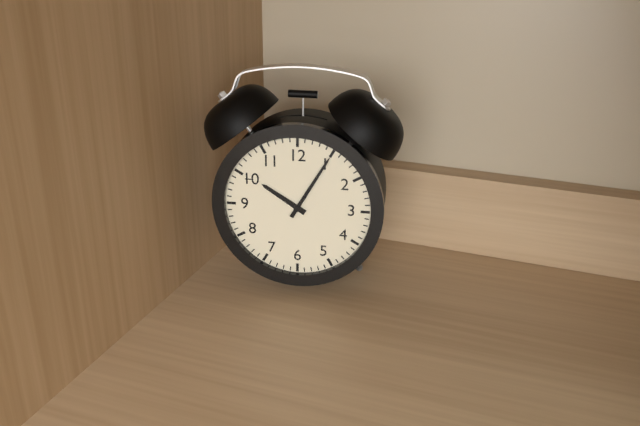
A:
10 h 05 min
